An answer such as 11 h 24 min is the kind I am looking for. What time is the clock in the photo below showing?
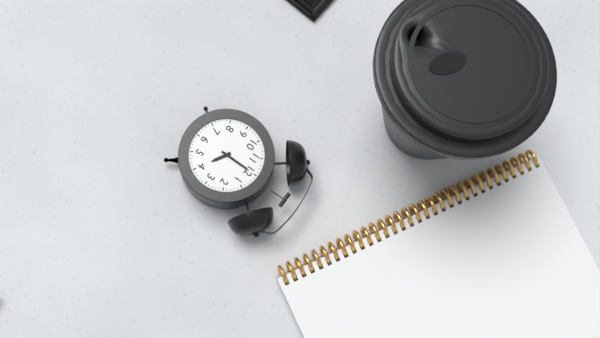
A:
4 h 00 min
